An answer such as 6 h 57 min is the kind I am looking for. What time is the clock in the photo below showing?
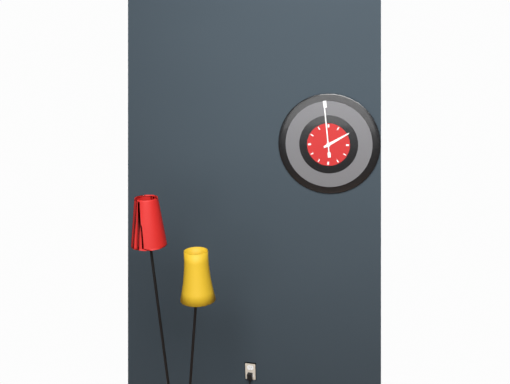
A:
1 h 59 min
